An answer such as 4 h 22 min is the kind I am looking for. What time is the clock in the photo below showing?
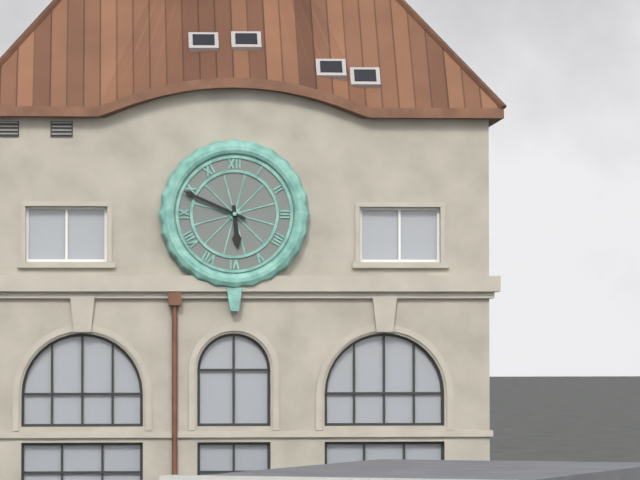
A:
5 h 49 min
